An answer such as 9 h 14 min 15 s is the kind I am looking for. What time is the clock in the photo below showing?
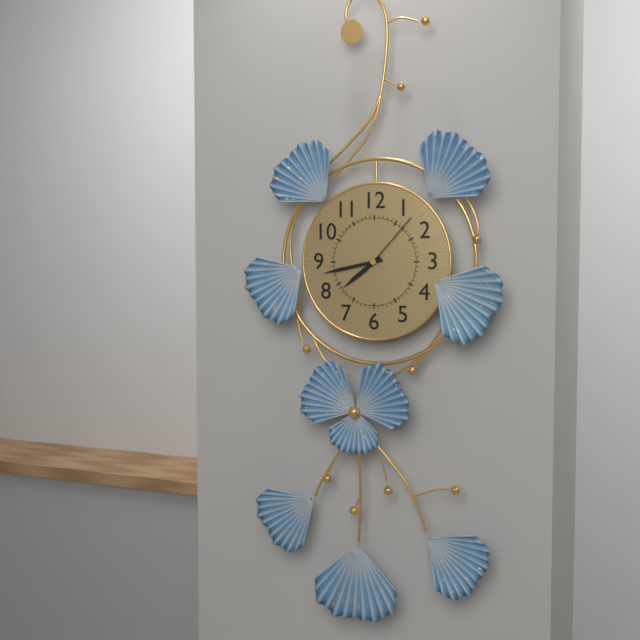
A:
7 h 43 min 07 s
